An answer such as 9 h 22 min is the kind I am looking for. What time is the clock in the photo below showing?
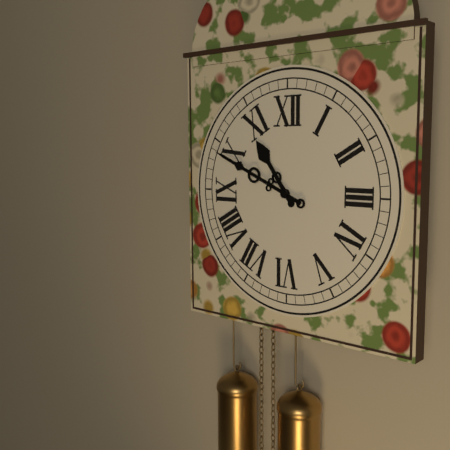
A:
10 h 49 min
